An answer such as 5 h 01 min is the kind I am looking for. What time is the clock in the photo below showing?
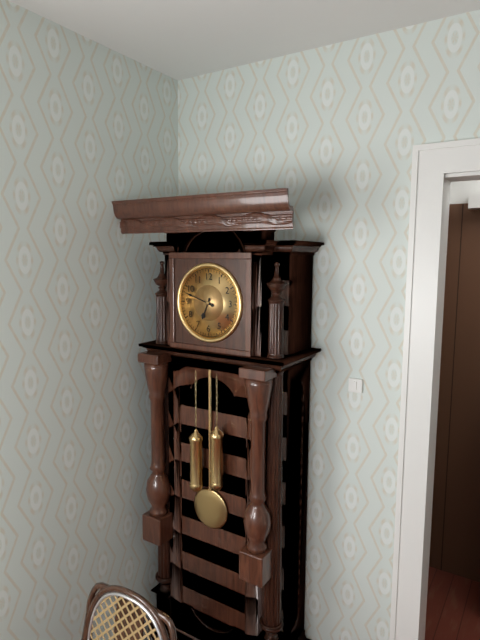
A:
6 h 48 min
